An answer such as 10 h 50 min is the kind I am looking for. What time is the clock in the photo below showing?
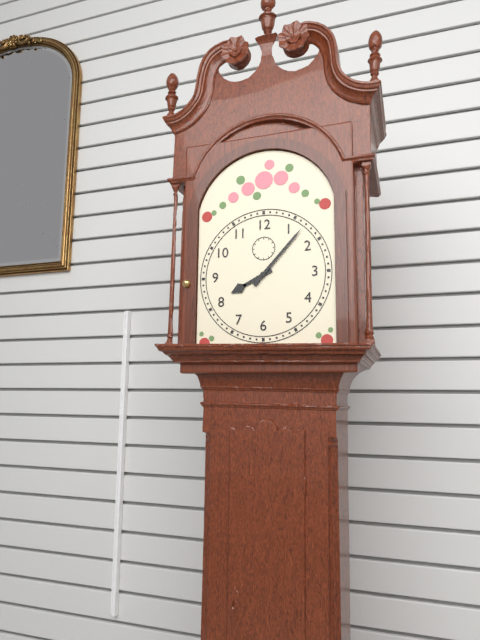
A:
8 h 07 min
